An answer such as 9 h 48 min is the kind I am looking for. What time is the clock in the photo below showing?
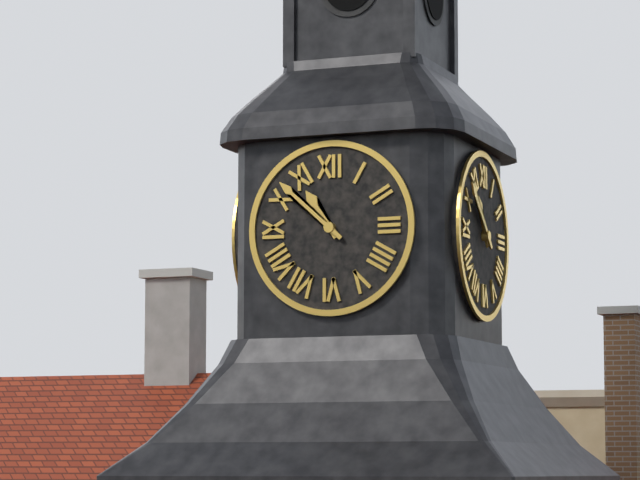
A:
10 h 52 min
